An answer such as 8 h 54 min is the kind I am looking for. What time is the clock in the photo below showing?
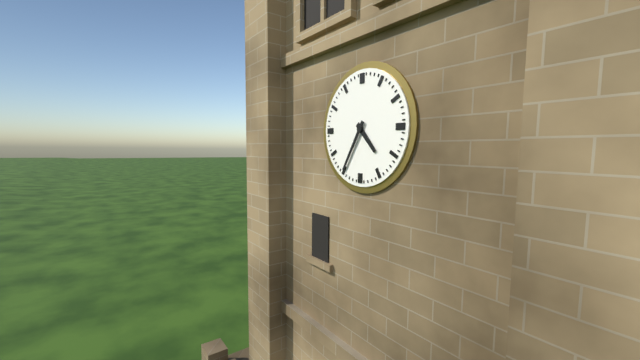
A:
4 h 35 min
